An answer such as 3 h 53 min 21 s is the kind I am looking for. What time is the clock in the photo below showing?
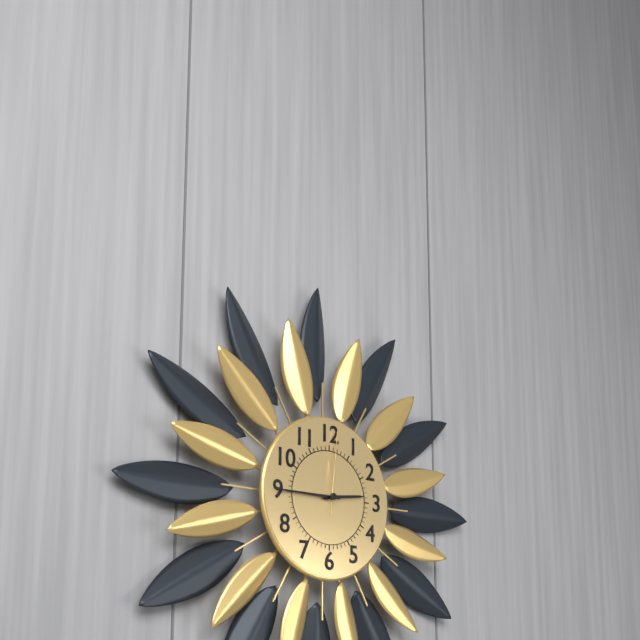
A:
2 h 45 min 01 s
